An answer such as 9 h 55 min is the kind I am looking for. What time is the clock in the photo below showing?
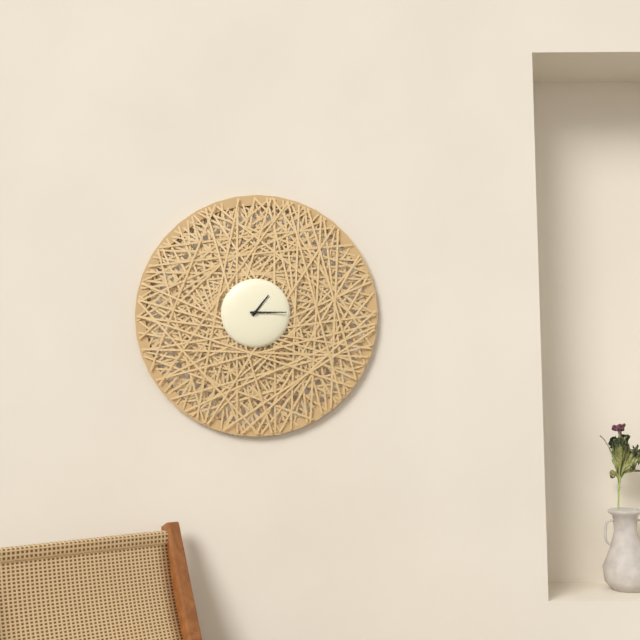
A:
1 h 15 min
